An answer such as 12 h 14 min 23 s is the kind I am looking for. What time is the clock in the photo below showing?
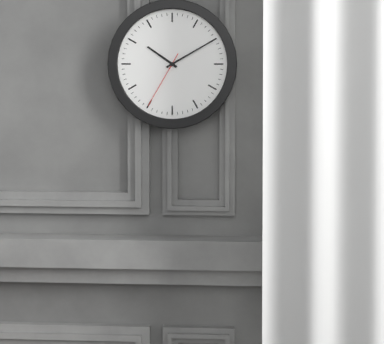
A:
10 h 10 min 35 s
